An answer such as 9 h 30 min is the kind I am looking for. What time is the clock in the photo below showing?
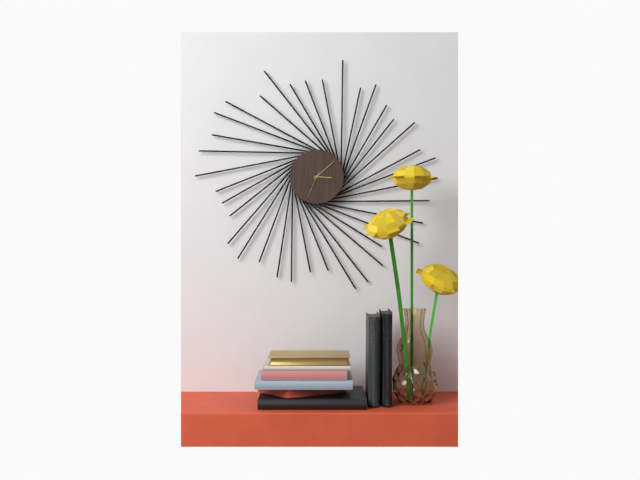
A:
3 h 08 min
